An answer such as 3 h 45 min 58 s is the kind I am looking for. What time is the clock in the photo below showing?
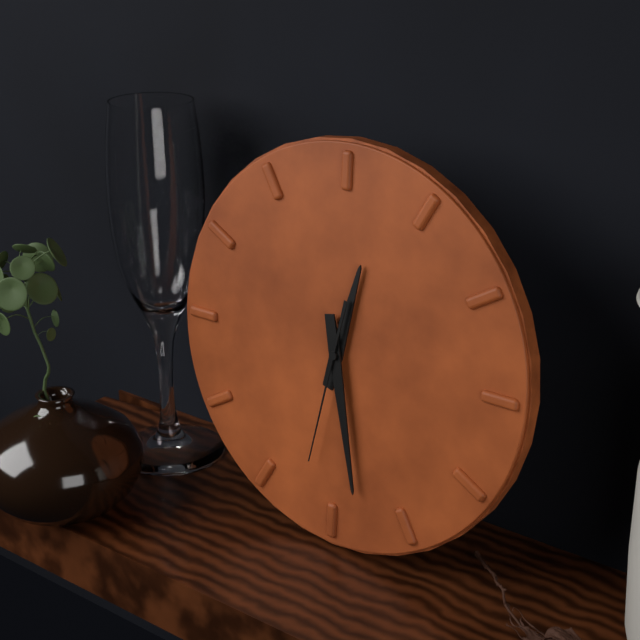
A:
12 h 28 min 32 s
